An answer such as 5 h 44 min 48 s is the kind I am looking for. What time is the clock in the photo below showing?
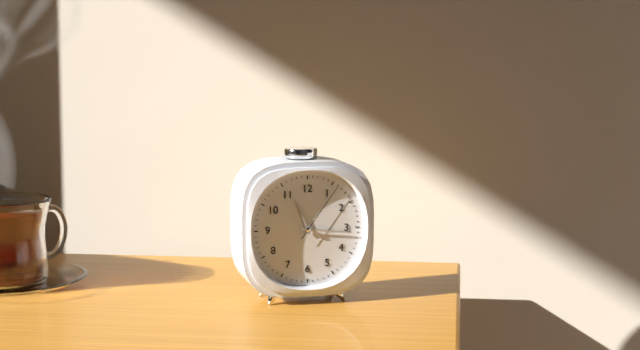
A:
11 h 16 min 06 s
